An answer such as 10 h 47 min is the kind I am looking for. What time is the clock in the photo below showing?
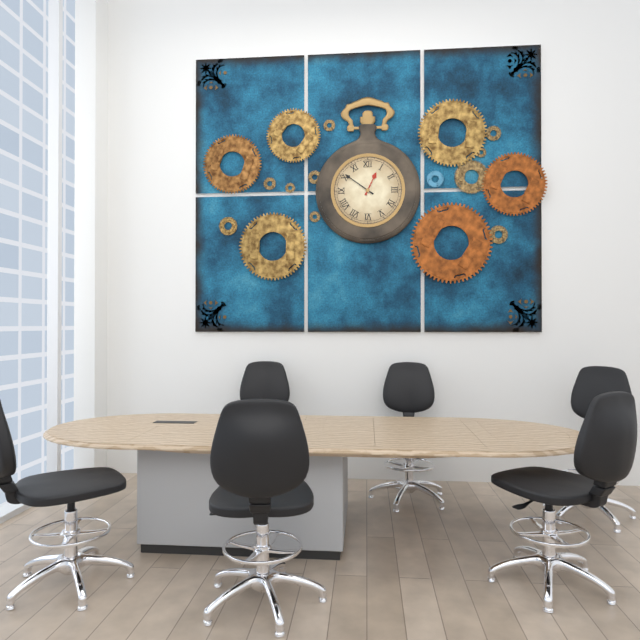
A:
12 h 51 min
